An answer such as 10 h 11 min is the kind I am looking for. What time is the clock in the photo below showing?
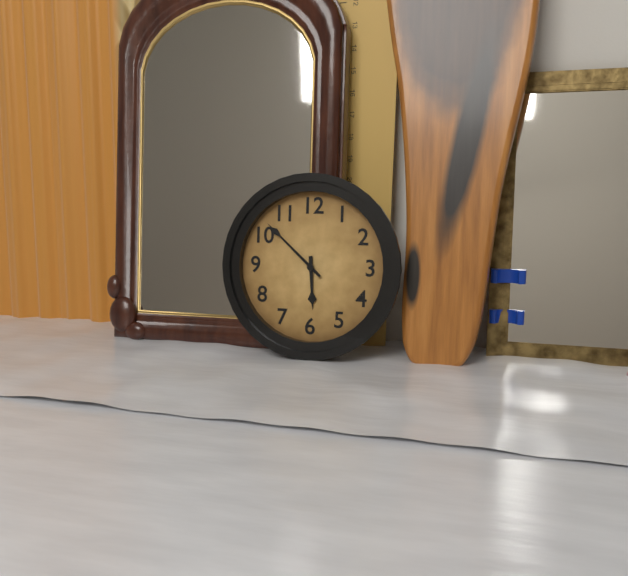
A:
5 h 52 min
